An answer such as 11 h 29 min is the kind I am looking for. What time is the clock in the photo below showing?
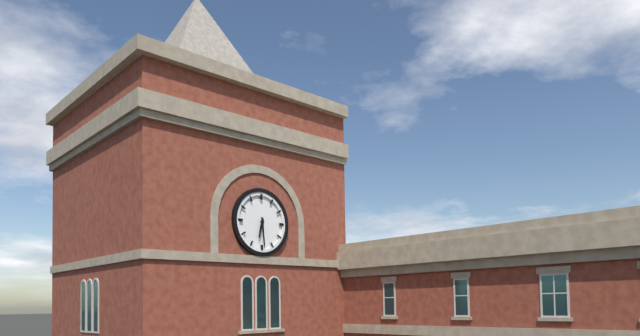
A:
6 h 29 min
